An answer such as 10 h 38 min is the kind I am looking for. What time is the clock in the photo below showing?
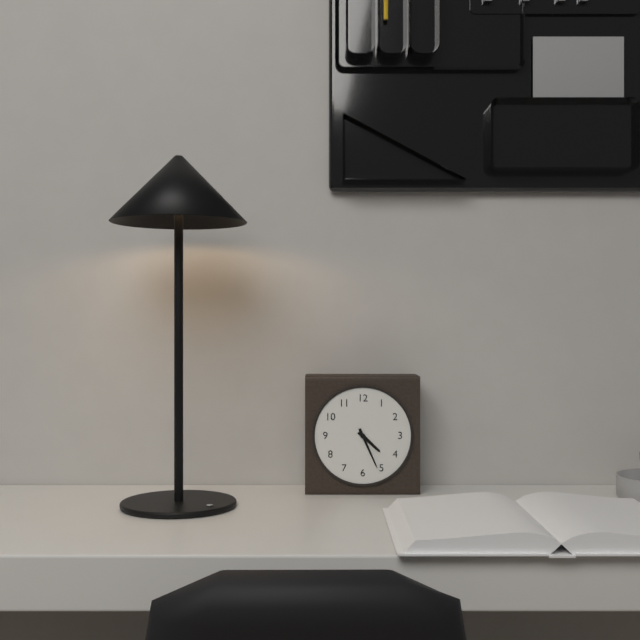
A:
4 h 26 min
